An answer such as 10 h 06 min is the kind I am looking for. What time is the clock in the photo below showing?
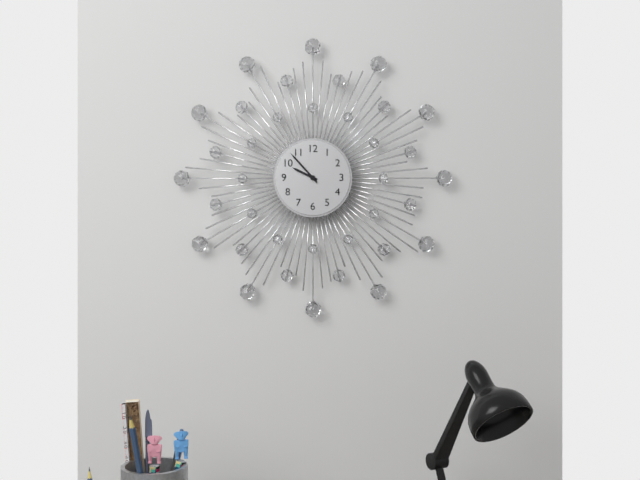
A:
9 h 53 min
